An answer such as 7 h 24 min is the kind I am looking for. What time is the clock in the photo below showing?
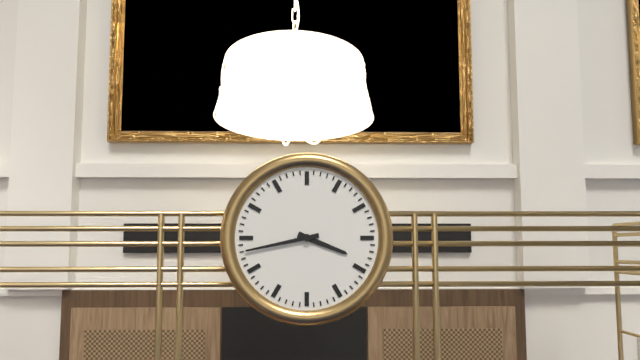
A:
3 h 43 min
